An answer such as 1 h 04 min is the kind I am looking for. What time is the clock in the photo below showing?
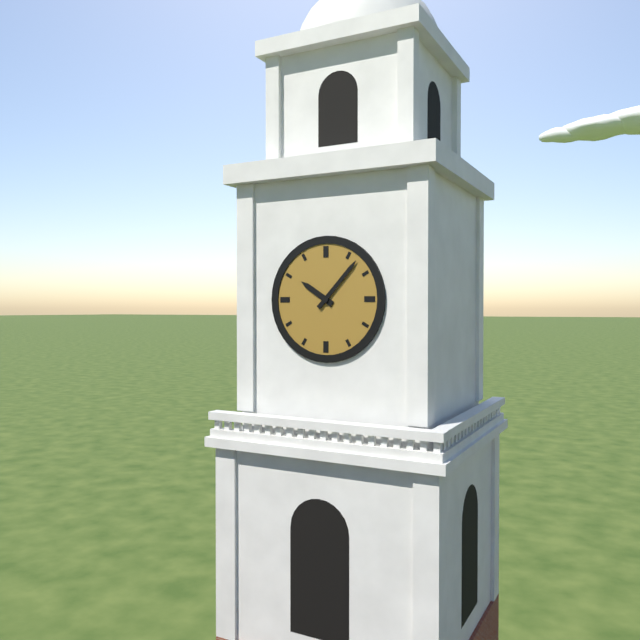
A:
10 h 07 min
